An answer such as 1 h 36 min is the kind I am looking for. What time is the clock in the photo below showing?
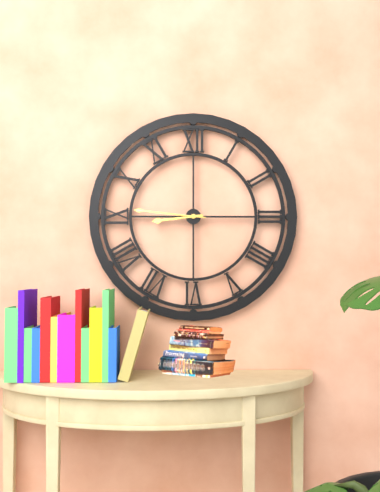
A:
8 h 46 min
